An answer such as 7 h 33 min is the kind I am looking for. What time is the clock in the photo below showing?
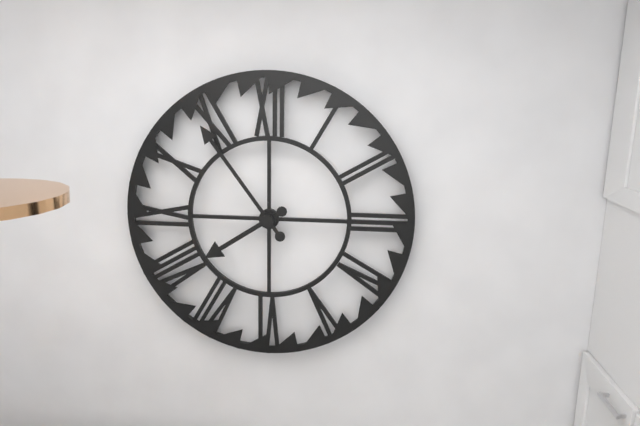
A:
7 h 54 min
